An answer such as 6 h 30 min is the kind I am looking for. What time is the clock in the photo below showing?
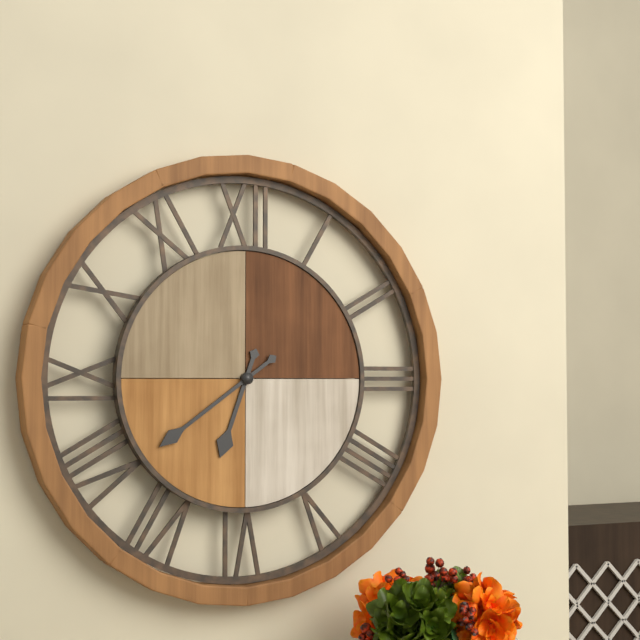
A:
6 h 39 min
